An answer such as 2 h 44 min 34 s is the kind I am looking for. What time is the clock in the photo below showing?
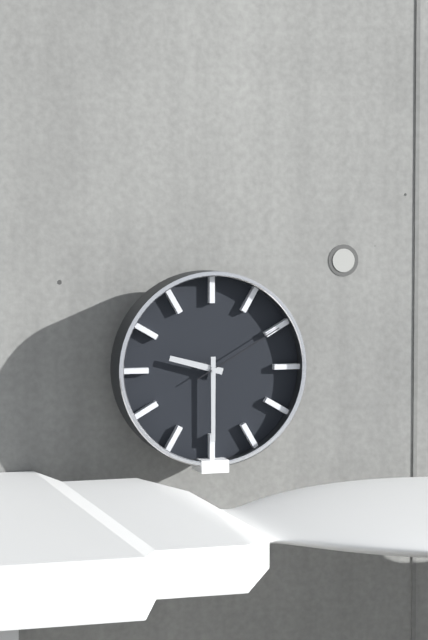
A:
9 h 30 min 10 s
